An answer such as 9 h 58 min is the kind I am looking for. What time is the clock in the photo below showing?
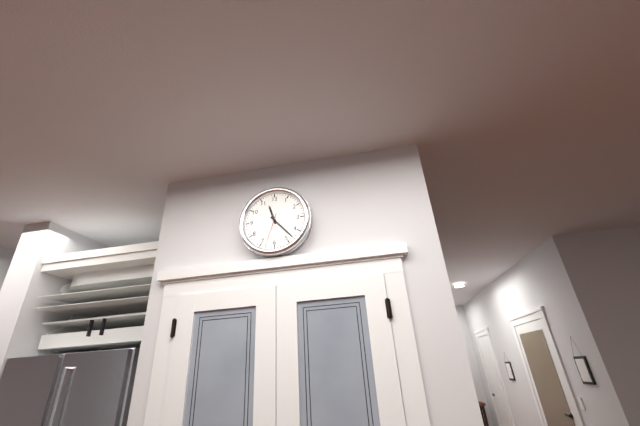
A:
11 h 23 min
